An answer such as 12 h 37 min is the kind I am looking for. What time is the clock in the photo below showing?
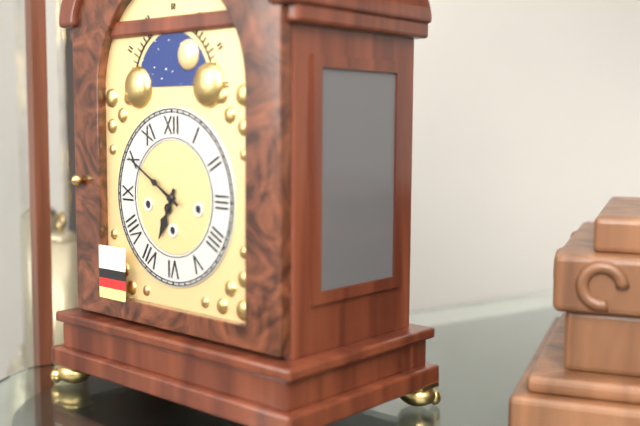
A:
6 h 50 min
